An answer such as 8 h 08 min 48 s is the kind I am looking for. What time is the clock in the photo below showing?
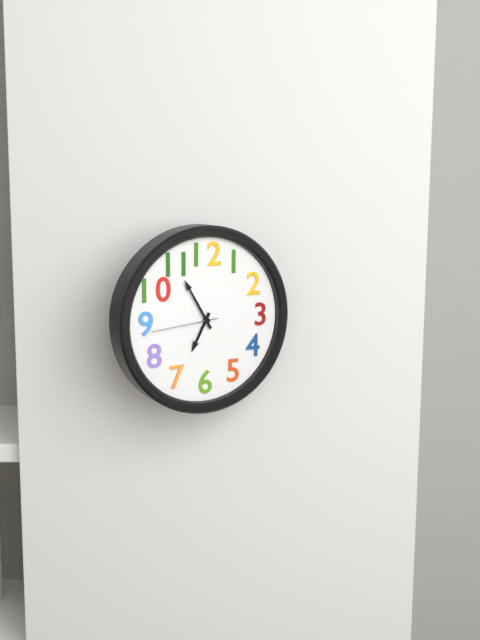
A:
6 h 55 min 44 s
